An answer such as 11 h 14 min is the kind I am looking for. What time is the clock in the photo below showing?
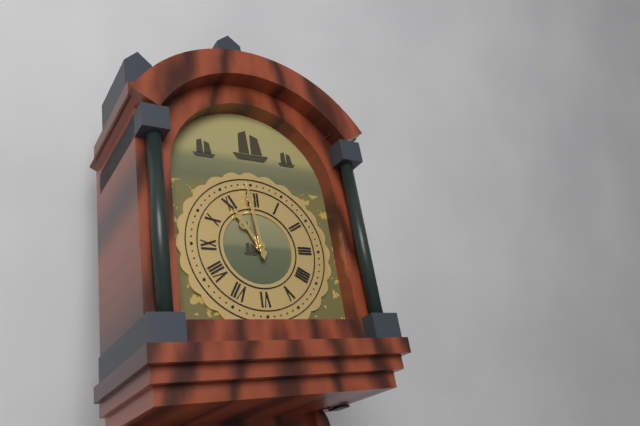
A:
10 h 59 min
